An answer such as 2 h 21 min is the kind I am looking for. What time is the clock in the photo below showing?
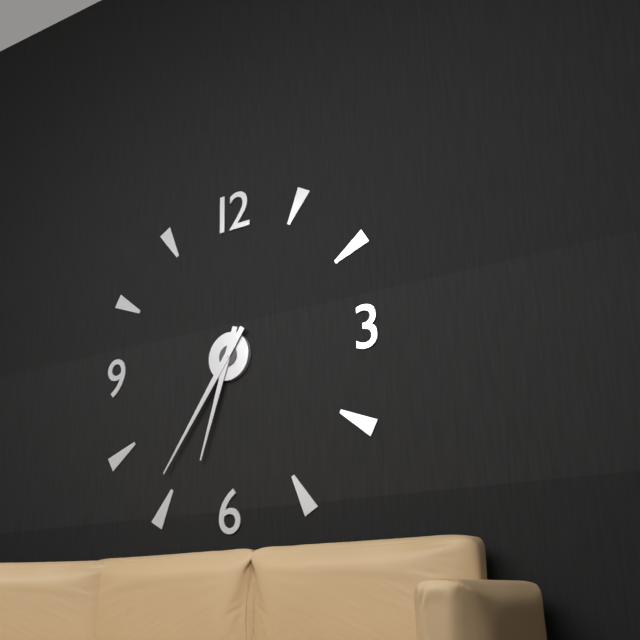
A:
6 h 36 min
